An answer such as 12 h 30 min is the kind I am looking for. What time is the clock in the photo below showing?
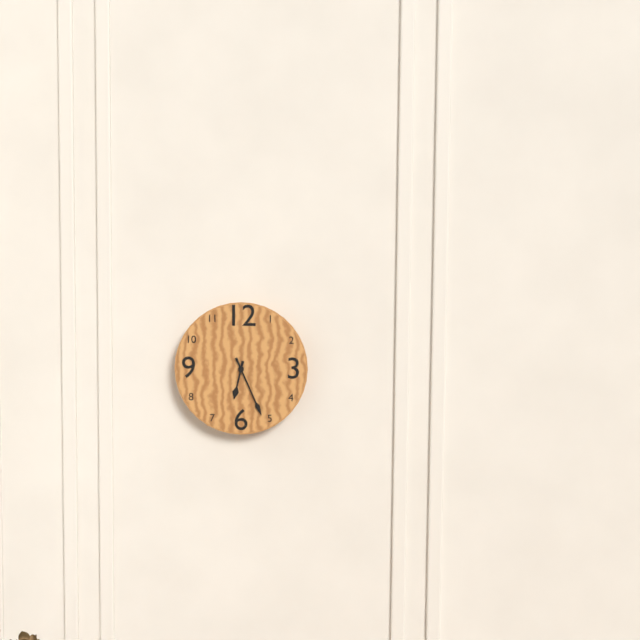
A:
6 h 26 min
